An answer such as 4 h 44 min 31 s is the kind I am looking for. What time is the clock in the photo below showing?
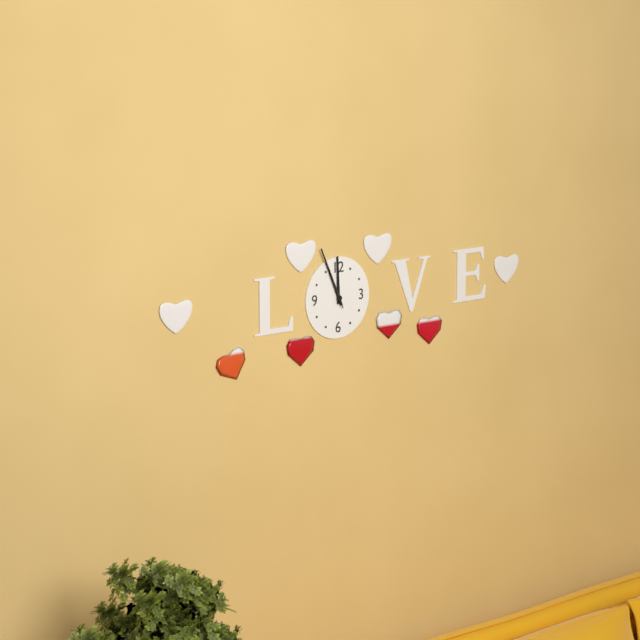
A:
11 h 56 min 56 s
